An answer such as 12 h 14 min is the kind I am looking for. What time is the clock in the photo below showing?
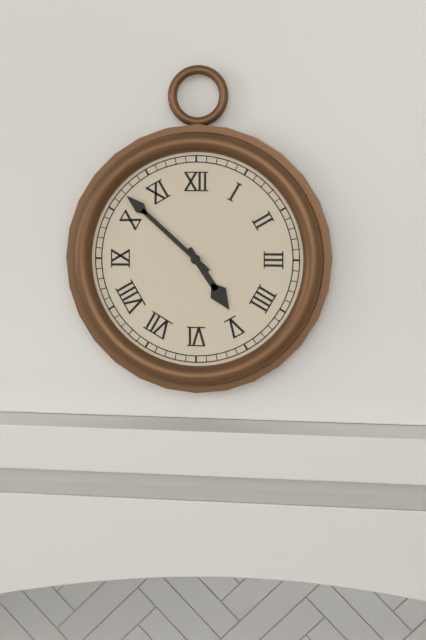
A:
4 h 52 min
